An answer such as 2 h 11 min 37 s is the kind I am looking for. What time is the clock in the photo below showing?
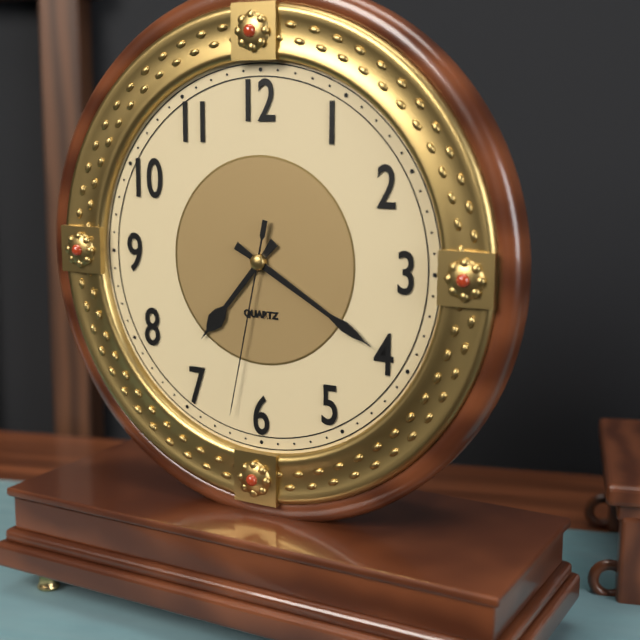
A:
7 h 20 min 32 s
